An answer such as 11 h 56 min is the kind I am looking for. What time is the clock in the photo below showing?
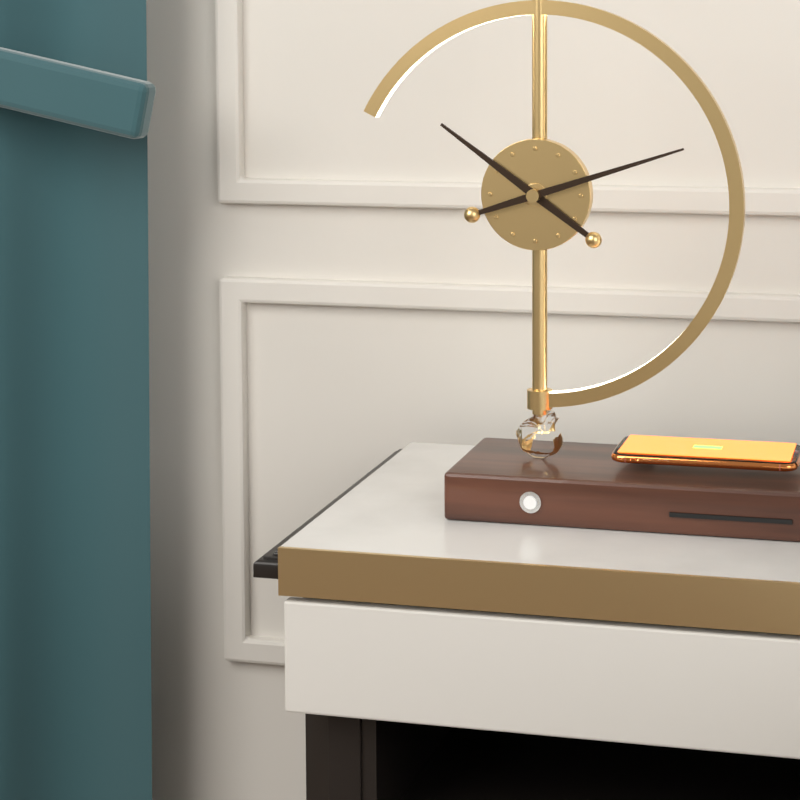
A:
10 h 12 min
